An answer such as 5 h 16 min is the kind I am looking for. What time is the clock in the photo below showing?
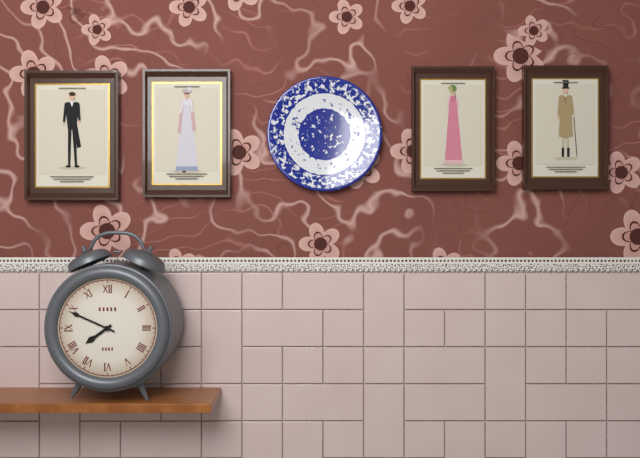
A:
7 h 49 min
